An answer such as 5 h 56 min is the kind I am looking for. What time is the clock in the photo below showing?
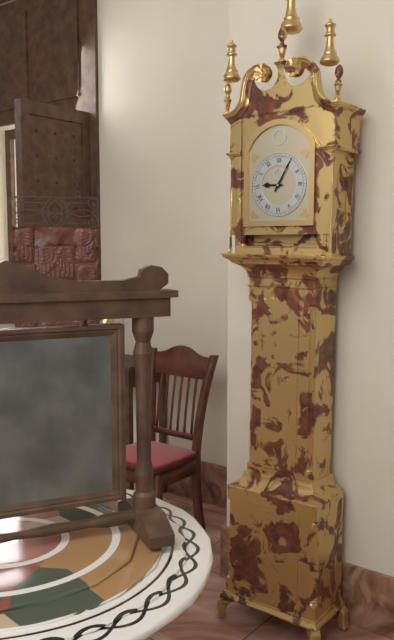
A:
9 h 05 min
